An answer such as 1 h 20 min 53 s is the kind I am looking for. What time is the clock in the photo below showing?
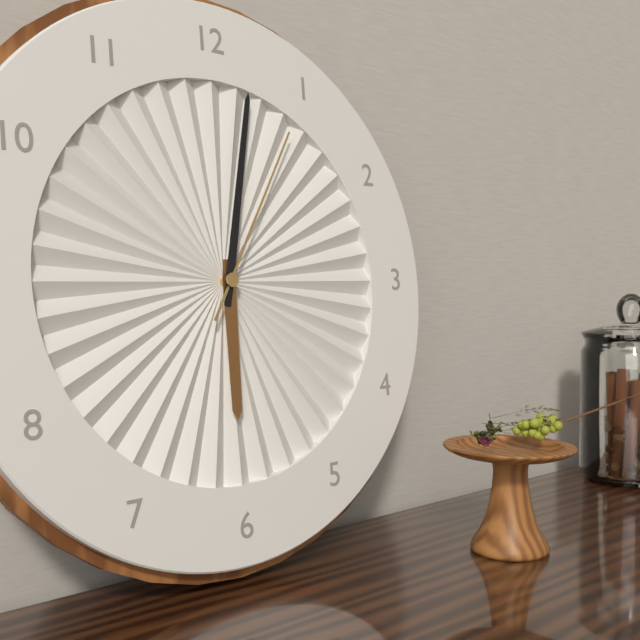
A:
6 h 02 min 05 s
